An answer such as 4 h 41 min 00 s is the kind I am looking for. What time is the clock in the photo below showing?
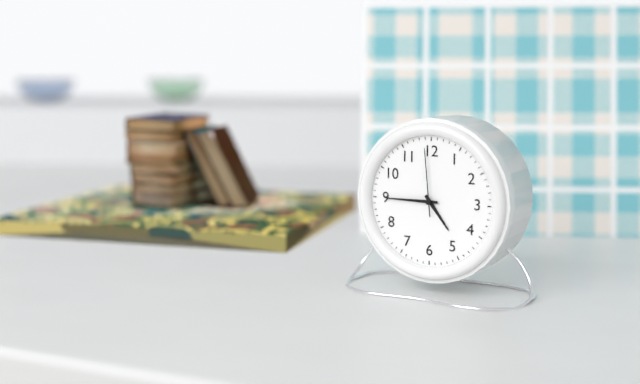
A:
4 h 45 min 59 s
